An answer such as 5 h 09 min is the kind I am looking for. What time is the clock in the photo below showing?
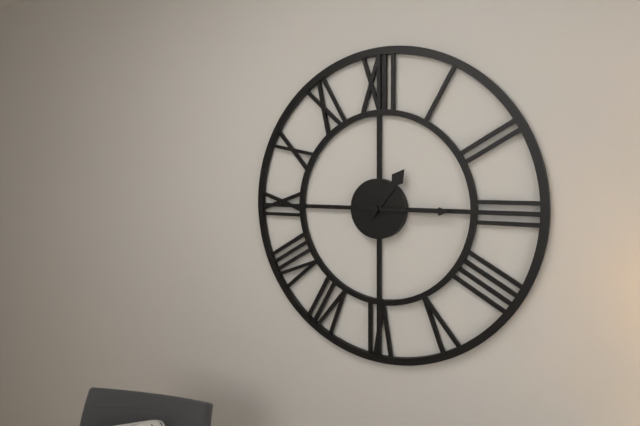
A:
1 h 15 min
